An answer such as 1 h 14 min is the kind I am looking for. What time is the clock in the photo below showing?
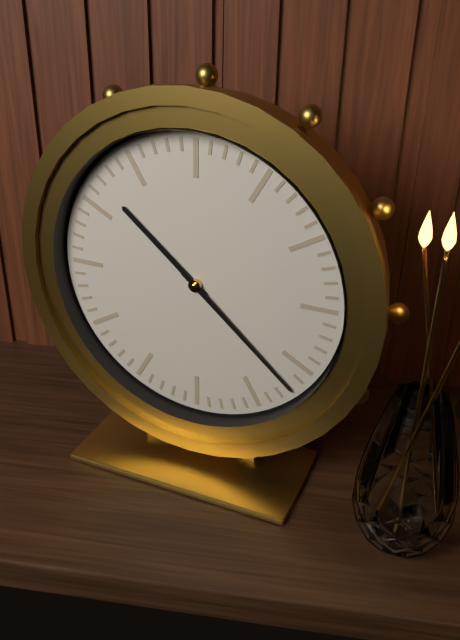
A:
10 h 22 min
